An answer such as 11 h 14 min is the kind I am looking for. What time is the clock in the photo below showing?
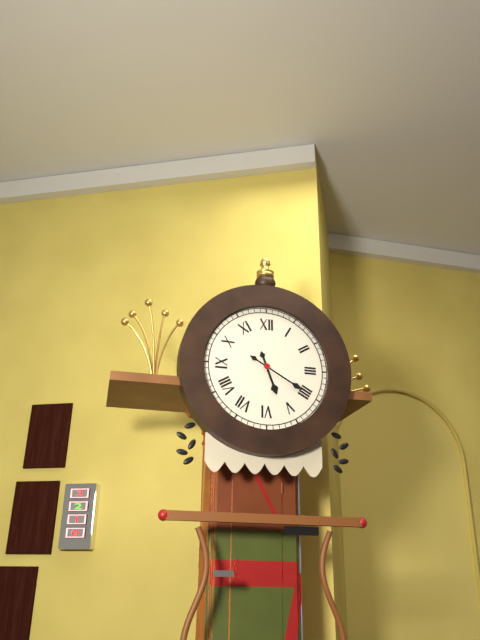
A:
5 h 20 min
